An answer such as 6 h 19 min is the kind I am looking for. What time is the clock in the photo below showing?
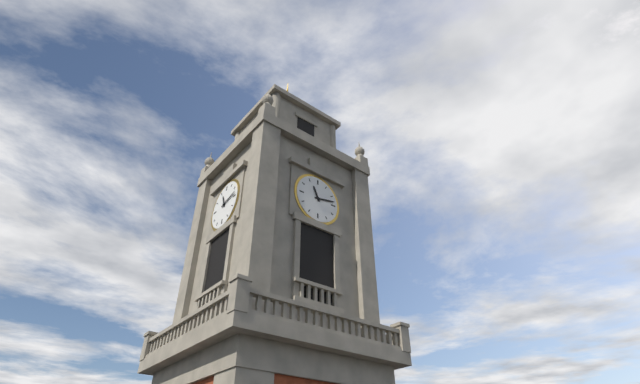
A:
11 h 13 min
